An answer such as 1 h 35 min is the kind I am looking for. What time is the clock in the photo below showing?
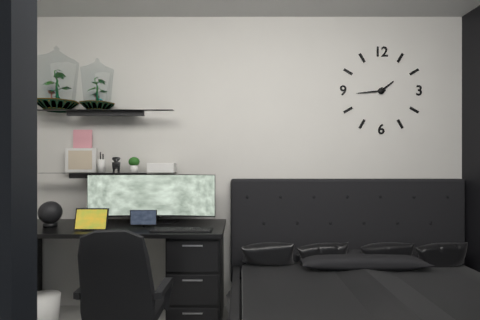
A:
1 h 44 min
